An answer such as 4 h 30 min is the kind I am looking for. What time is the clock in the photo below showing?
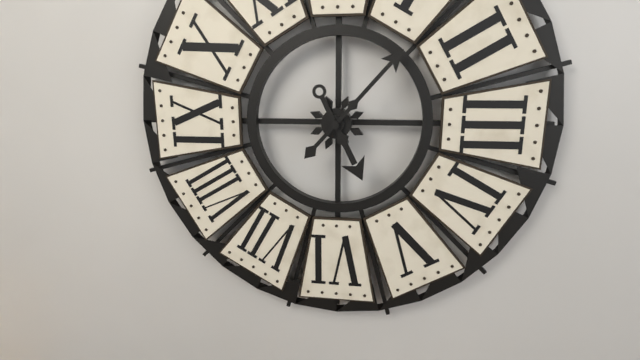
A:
5 h 07 min
